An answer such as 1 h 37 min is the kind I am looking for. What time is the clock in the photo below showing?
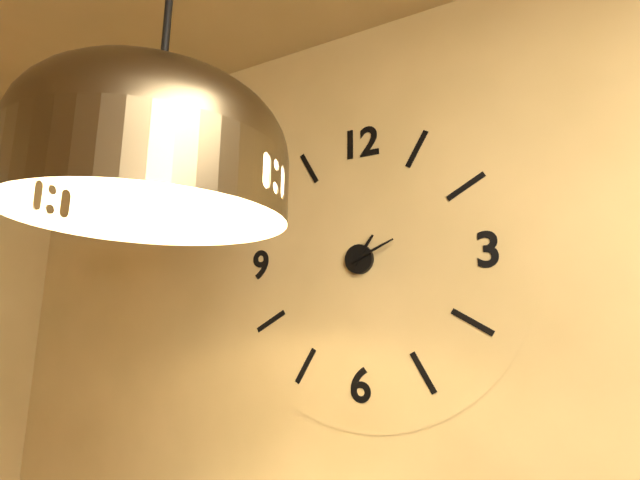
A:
1 h 11 min
